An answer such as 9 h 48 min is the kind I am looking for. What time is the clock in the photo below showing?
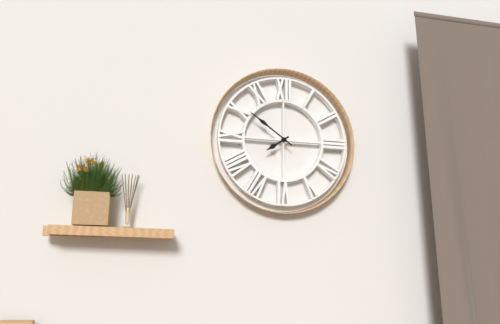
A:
7 h 51 min
